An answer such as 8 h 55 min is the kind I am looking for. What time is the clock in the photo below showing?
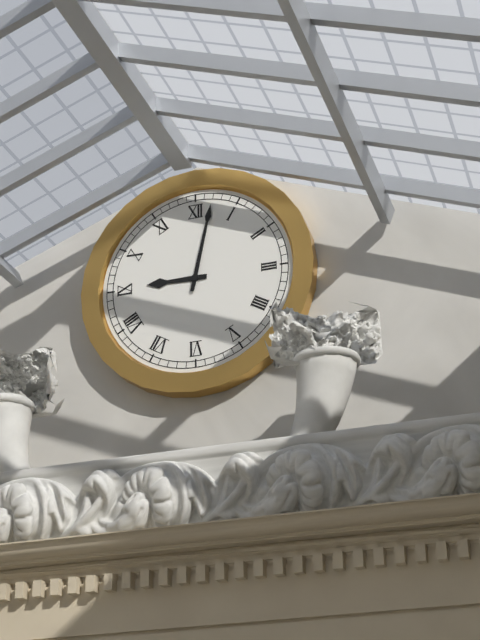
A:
9 h 02 min
